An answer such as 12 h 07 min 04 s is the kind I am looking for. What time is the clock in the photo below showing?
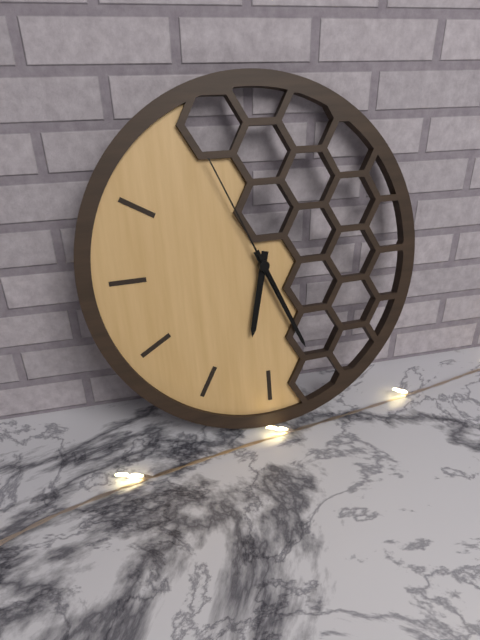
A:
6 h 26 min 56 s
